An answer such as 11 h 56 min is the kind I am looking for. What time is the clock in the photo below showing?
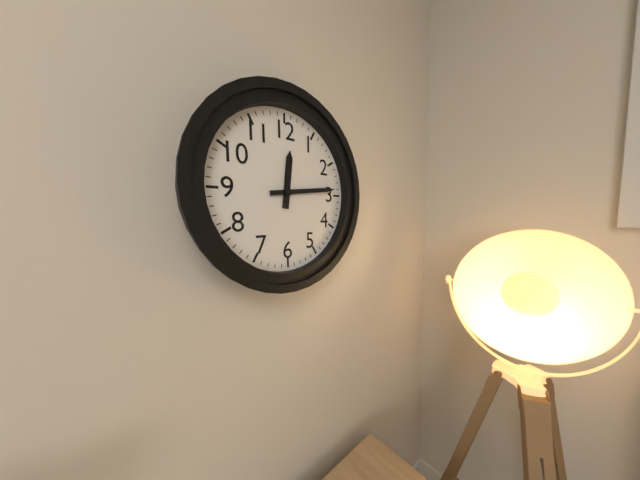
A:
12 h 14 min
